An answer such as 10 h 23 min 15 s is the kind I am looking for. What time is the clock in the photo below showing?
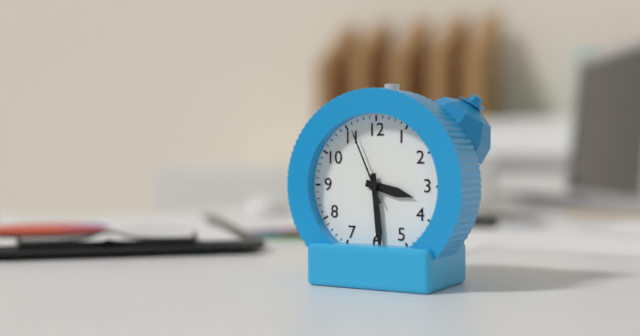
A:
3 h 29 min 56 s
